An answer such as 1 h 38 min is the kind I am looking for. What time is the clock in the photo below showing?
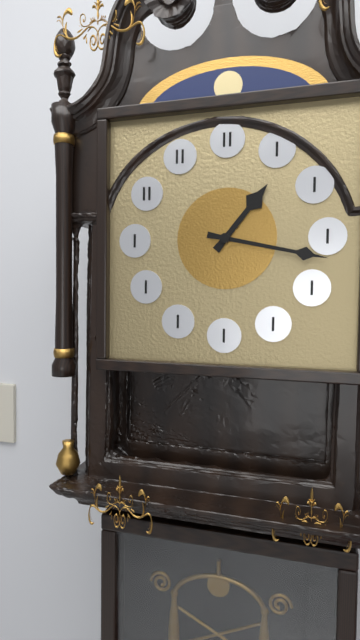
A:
1 h 17 min
